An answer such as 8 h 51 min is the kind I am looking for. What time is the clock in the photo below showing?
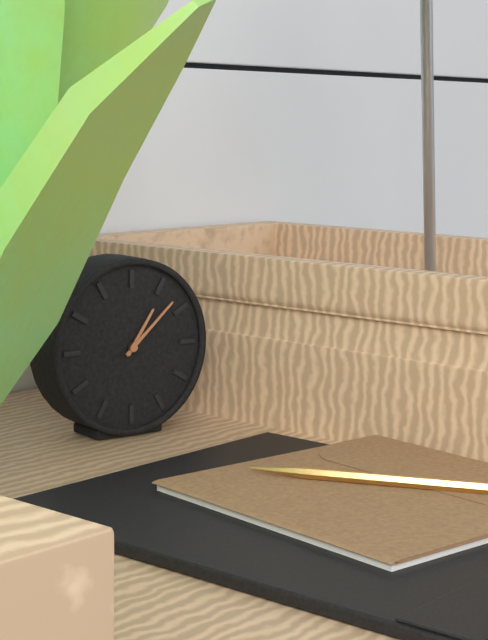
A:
1 h 08 min
